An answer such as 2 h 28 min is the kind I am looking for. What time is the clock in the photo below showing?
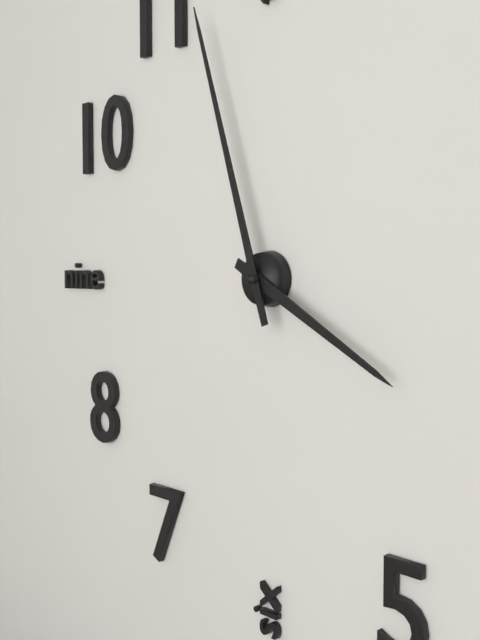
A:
3 h 57 min
